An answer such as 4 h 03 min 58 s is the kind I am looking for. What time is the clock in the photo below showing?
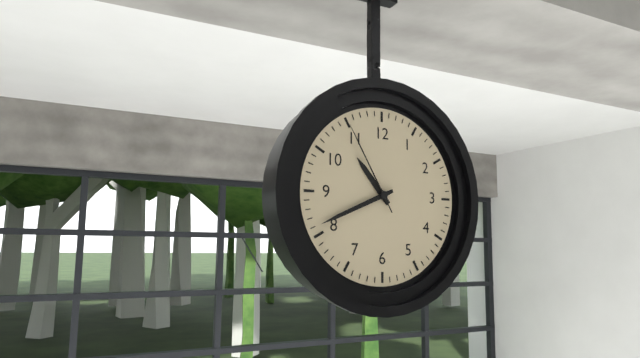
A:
10 h 41 min 55 s
